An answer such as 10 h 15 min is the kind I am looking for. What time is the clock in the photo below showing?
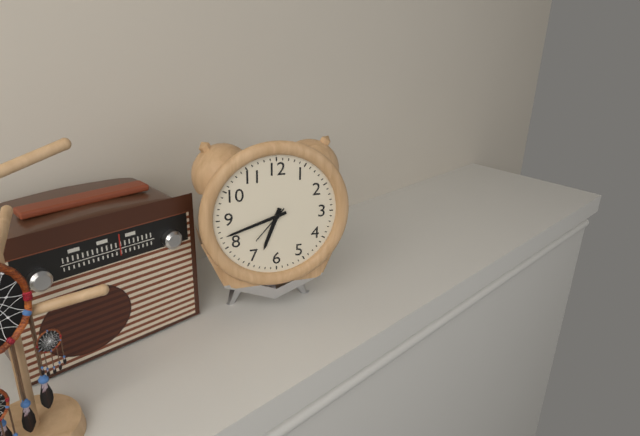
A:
6 h 42 min
